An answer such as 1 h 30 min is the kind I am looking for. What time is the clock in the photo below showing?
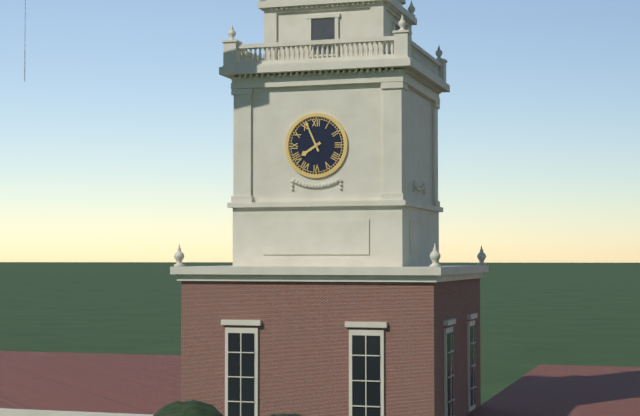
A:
7 h 56 min
